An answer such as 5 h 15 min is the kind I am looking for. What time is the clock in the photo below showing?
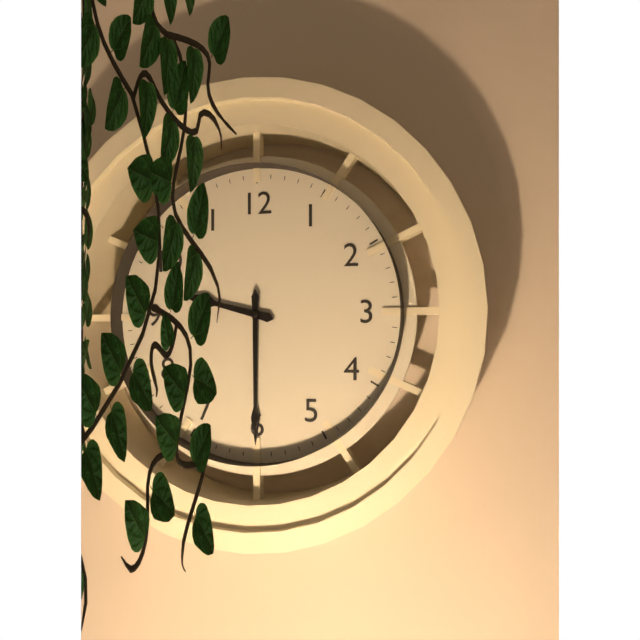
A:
9 h 30 min
